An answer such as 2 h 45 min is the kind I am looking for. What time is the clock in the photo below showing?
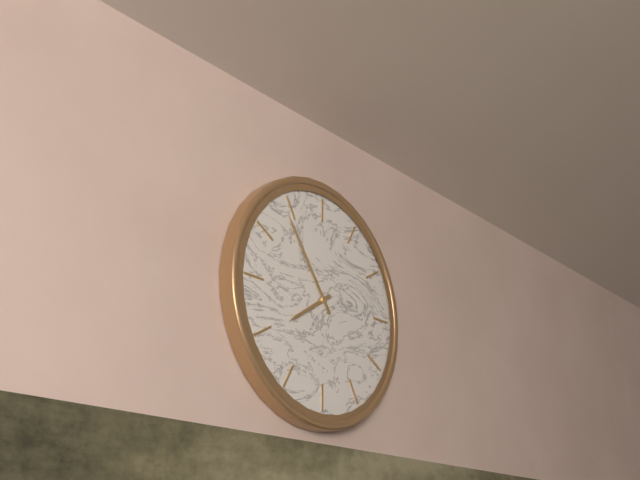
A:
7 h 54 min
